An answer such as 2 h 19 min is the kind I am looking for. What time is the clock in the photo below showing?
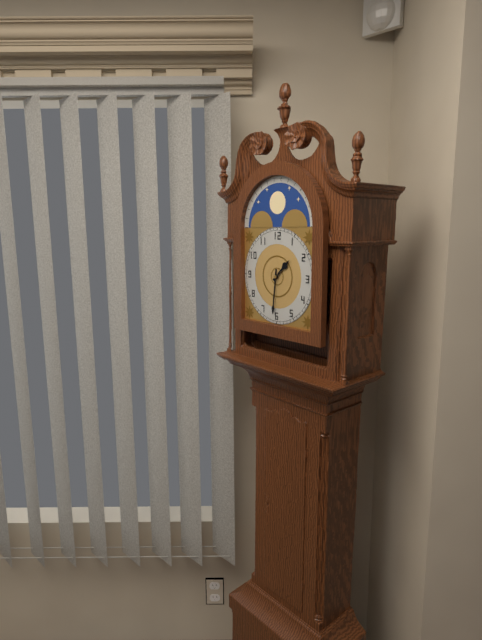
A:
1 h 31 min
